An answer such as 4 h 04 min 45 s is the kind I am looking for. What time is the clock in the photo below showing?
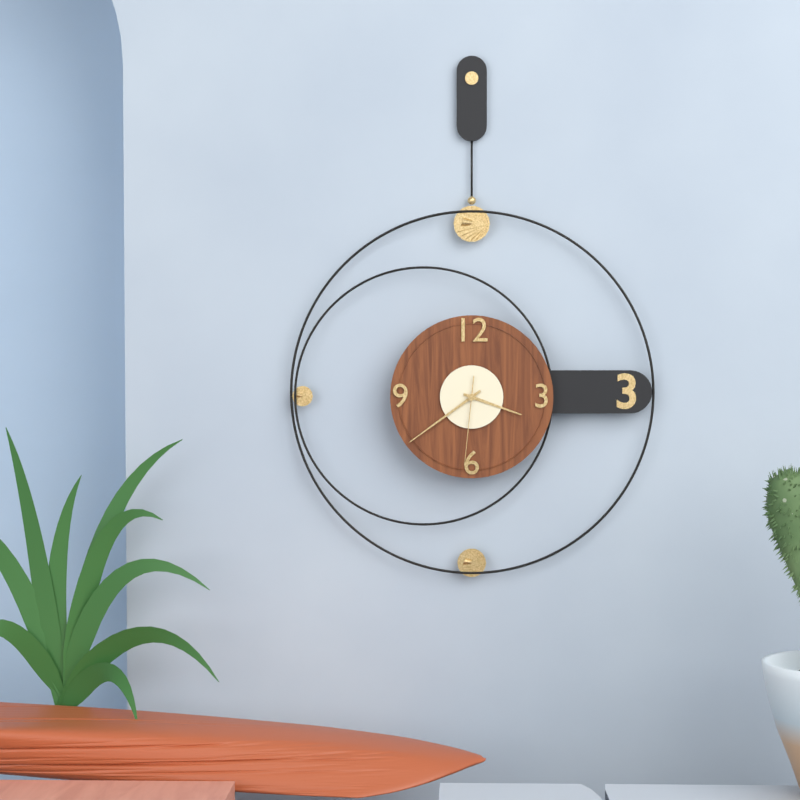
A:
3 h 39 min 31 s
